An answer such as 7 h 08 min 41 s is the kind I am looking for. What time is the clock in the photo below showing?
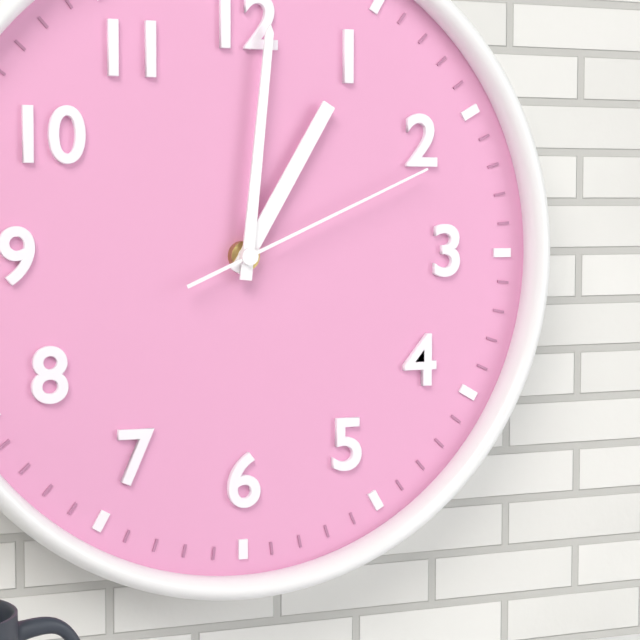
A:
1 h 01 min 11 s
